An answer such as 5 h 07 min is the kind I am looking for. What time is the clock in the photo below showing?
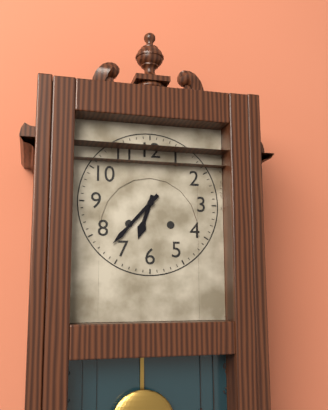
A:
6 h 37 min
